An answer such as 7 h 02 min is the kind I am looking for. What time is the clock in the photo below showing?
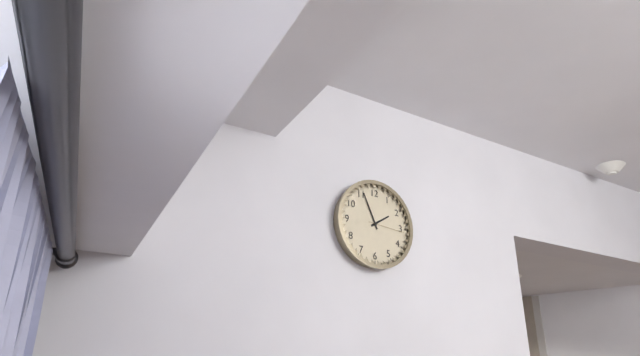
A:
1 h 56 min
